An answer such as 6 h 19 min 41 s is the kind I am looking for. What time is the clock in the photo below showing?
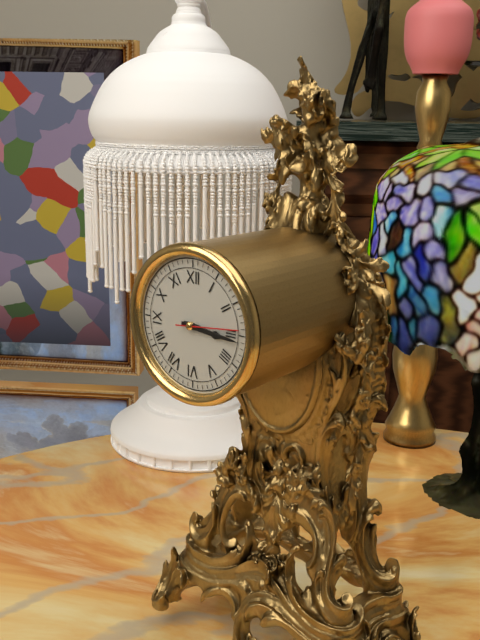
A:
3 h 16 min 14 s
